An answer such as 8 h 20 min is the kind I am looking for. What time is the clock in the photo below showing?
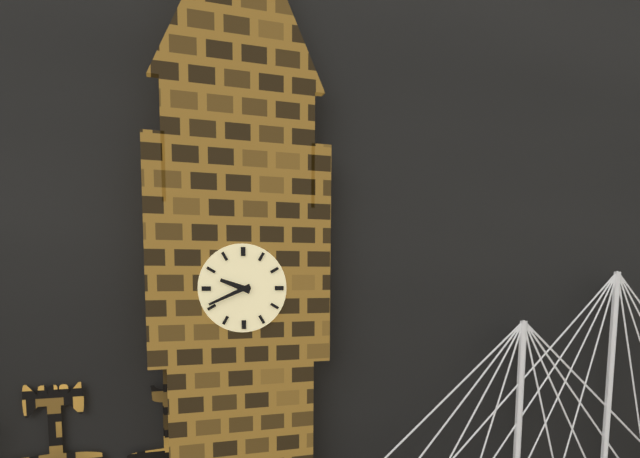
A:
9 h 41 min
